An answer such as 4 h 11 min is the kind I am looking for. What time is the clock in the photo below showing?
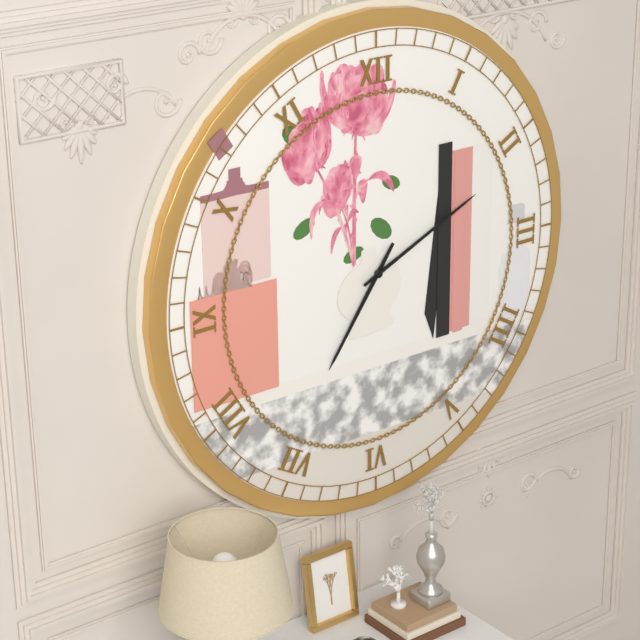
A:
7 h 11 min
